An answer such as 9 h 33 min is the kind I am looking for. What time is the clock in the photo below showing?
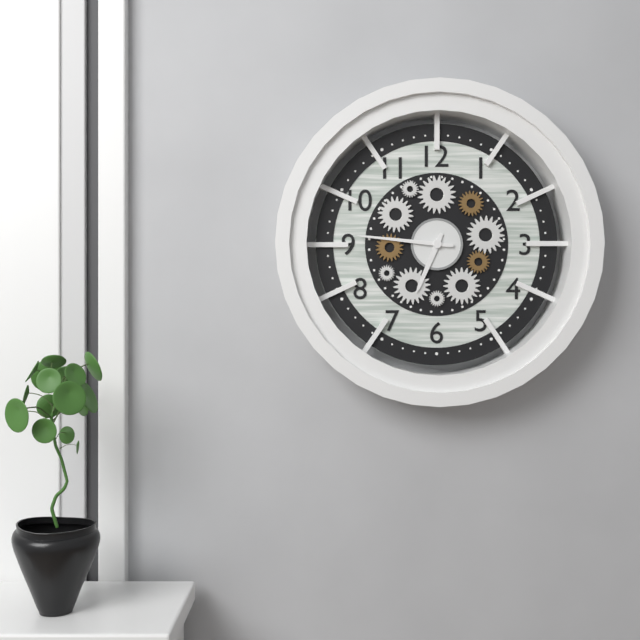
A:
6 h 46 min
